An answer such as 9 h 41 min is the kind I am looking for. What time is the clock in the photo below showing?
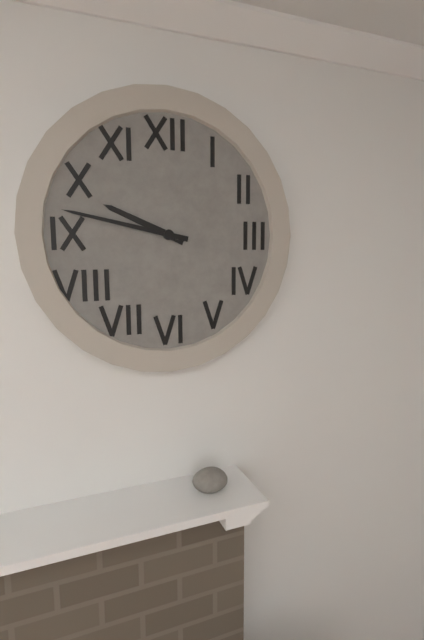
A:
9 h 47 min
